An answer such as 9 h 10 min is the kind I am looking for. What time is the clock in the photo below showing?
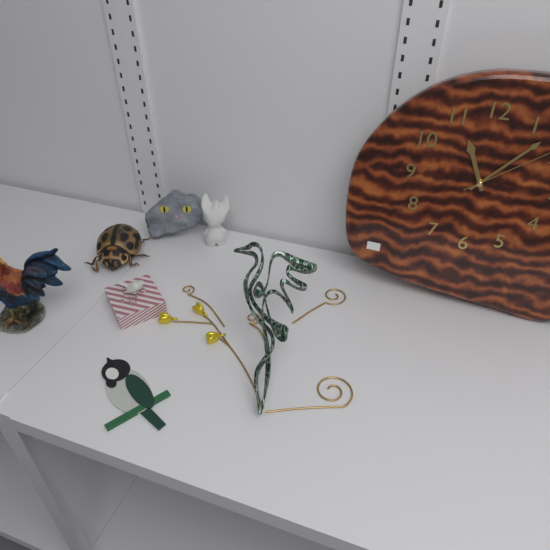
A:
11 h 07 min
